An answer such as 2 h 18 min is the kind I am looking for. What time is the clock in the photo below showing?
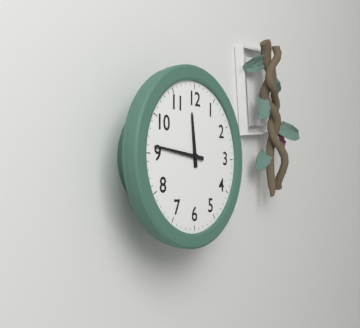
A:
11 h 46 min
